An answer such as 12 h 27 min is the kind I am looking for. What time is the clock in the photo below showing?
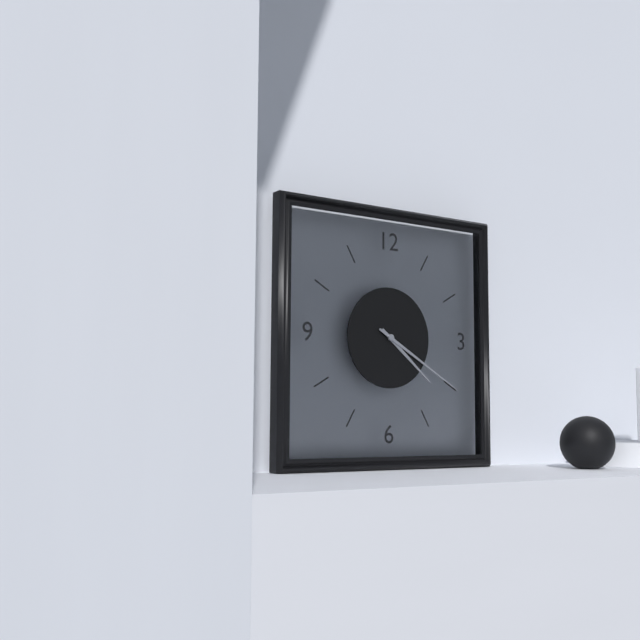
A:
4 h 20 min
